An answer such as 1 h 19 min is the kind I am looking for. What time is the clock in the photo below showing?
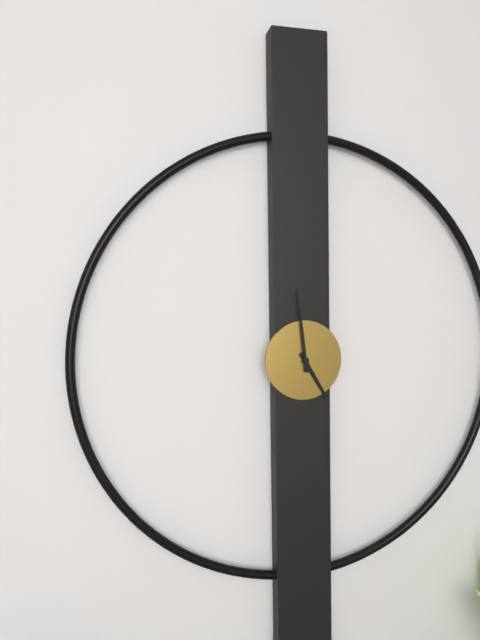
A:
4 h 59 min
